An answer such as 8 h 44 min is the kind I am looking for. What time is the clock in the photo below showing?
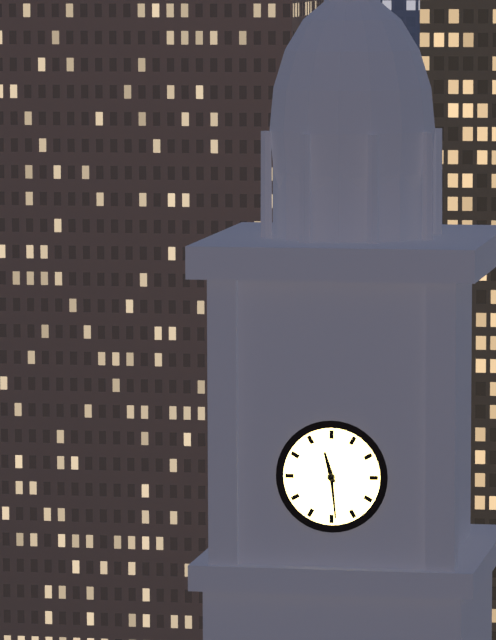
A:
11 h 29 min
